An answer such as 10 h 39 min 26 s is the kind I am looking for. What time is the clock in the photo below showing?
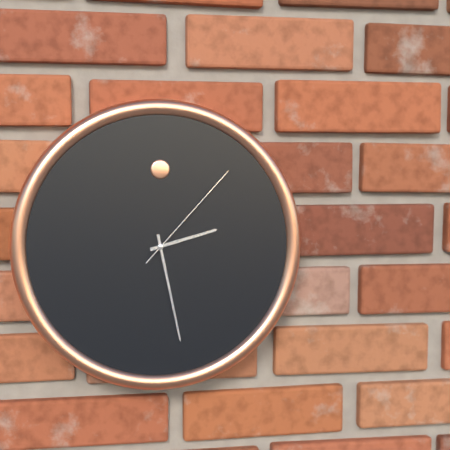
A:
2 h 28 min 07 s
